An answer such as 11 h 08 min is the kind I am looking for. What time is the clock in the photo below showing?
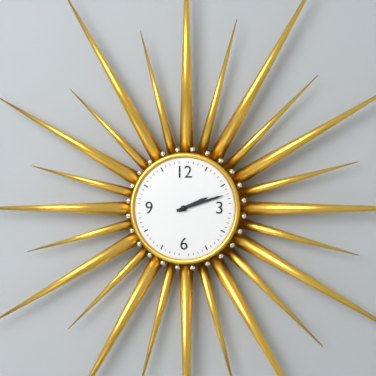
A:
2 h 12 min
